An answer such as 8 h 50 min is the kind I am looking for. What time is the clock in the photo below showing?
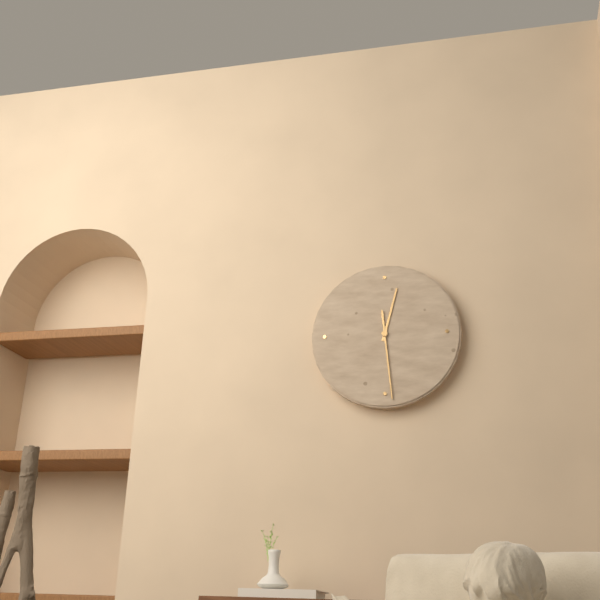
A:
12 h 29 min
